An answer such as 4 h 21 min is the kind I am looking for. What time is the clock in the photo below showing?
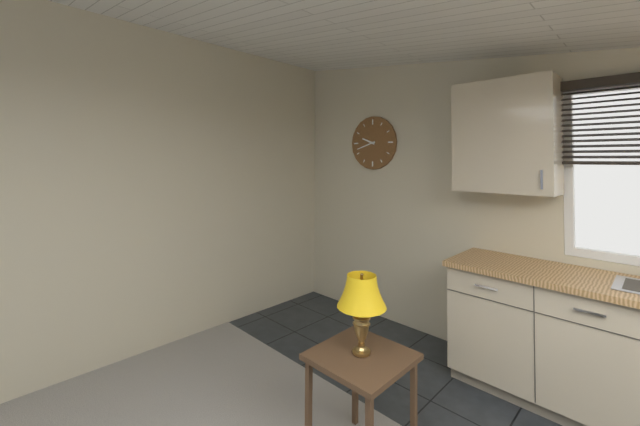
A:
9 h 42 min
